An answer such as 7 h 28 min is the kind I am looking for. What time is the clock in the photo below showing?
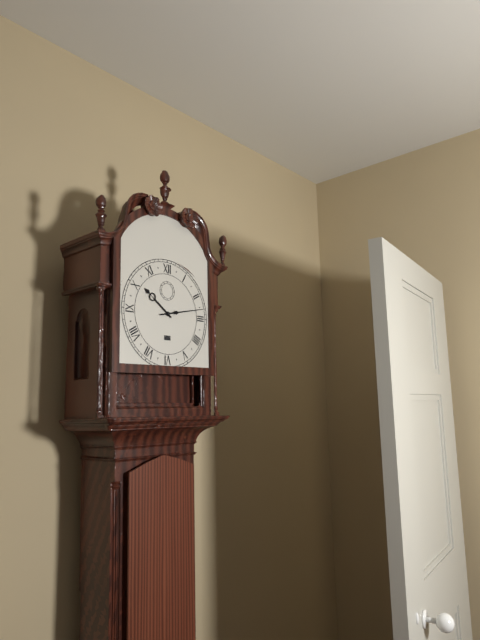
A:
10 h 13 min
